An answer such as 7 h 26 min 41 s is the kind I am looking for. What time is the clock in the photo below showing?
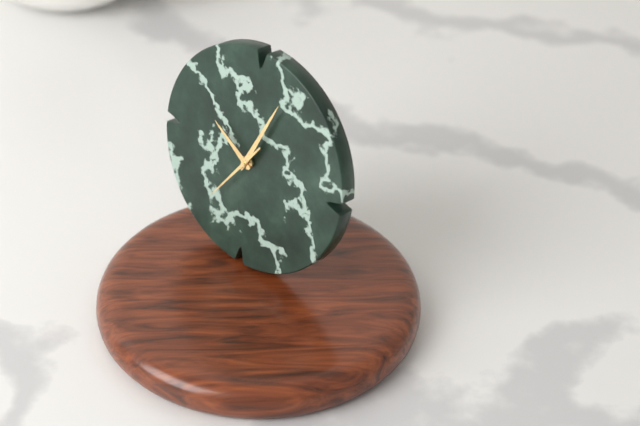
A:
10 h 04 min 36 s
